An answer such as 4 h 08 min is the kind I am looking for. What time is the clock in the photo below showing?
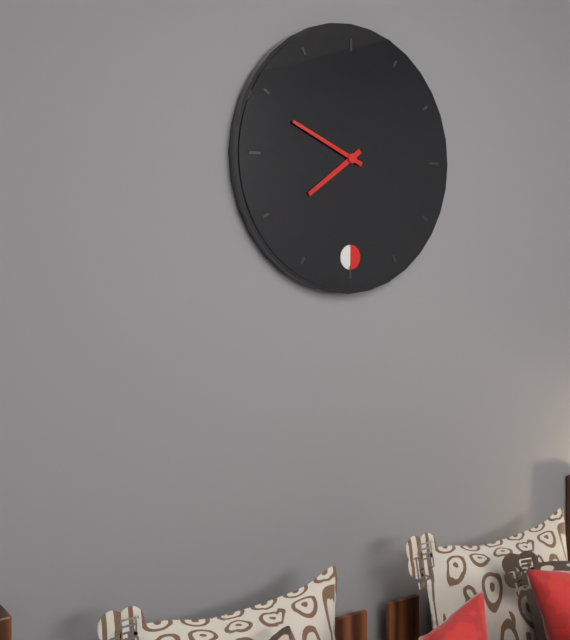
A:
7 h 49 min
